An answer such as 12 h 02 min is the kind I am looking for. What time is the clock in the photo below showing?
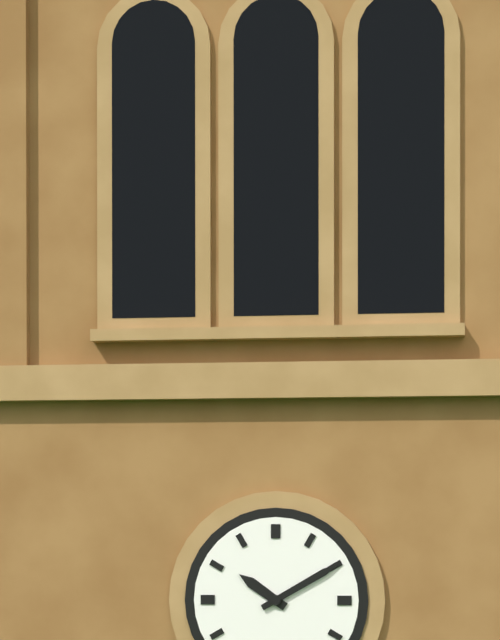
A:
10 h 10 min
